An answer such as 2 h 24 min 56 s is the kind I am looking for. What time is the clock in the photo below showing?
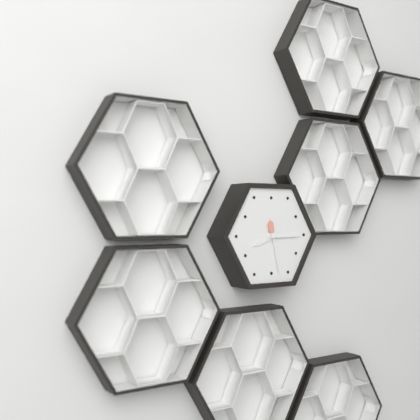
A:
8 h 15 min 28 s
